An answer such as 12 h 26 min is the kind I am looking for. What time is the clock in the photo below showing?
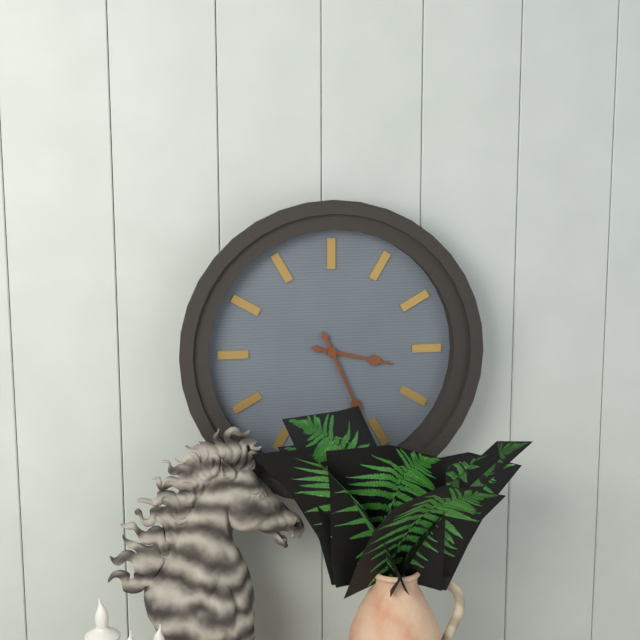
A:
3 h 26 min
